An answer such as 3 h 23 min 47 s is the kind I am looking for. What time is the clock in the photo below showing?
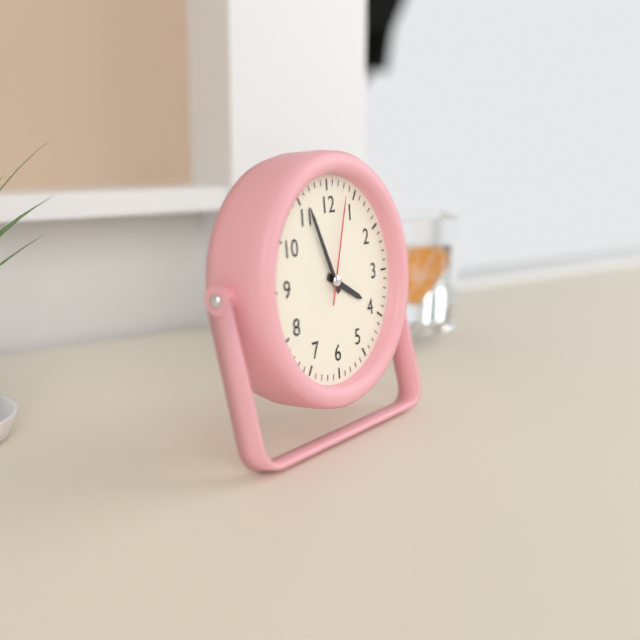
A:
3 h 56 min 03 s
